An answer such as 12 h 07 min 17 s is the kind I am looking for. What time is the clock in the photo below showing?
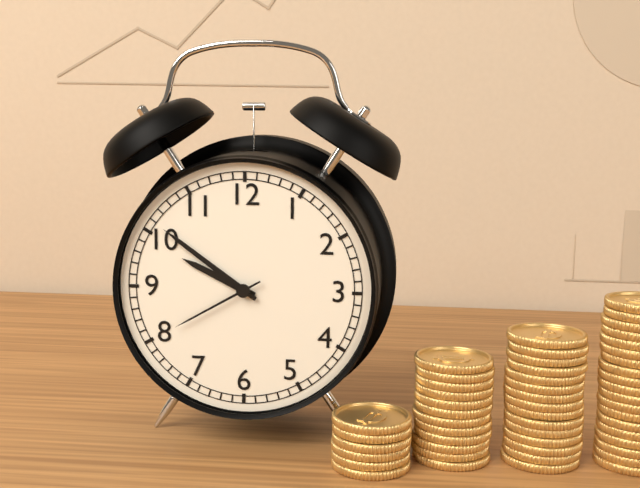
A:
9 h 51 min 40 s
